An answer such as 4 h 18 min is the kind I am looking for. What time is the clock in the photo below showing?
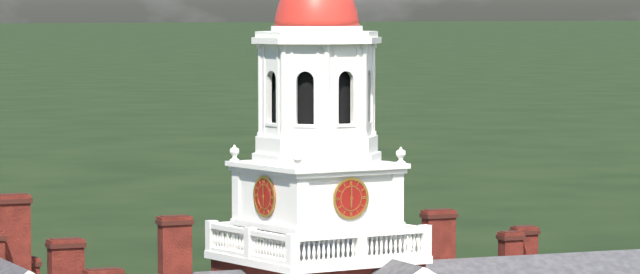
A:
6 h 00 min
